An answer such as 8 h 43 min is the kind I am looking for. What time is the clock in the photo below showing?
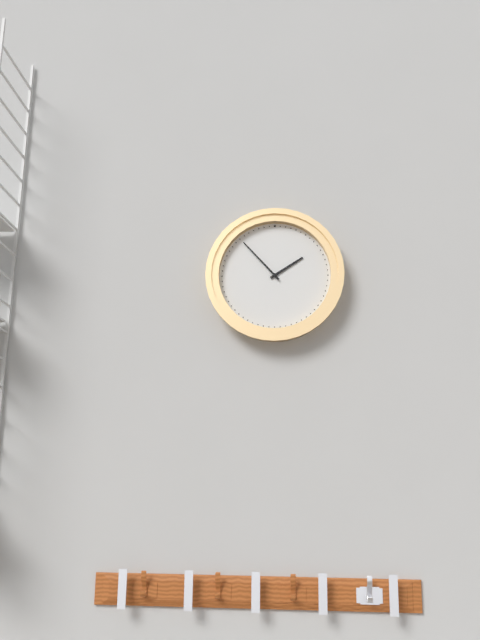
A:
1 h 53 min
